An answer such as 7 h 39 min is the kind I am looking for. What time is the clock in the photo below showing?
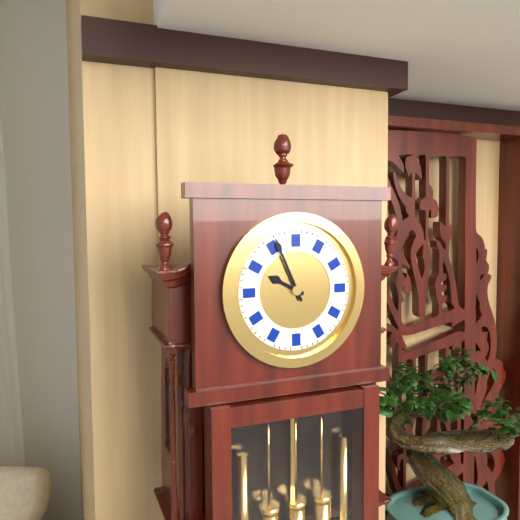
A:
9 h 56 min
